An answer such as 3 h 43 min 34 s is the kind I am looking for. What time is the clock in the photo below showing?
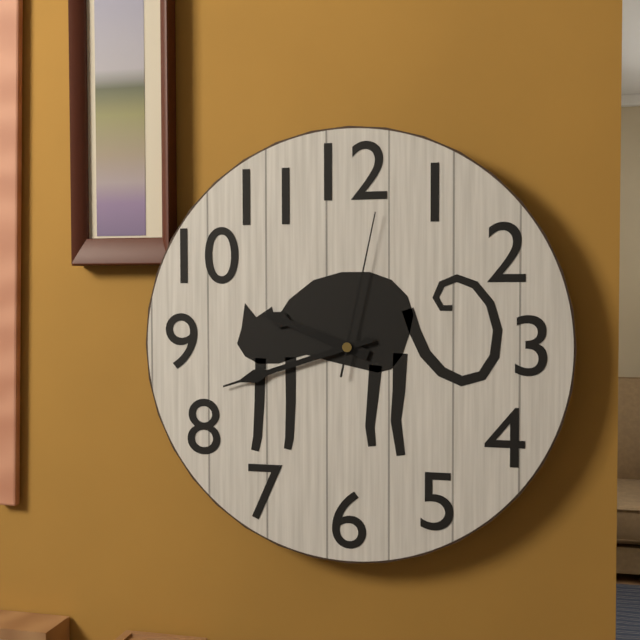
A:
9 h 42 min 02 s
